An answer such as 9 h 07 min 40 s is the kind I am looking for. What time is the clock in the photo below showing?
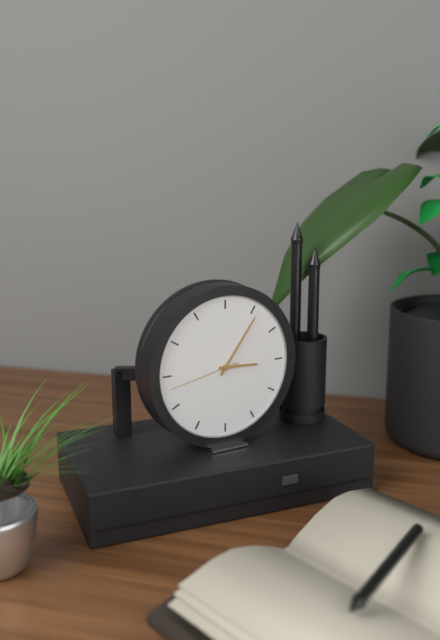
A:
3 h 06 min 43 s
